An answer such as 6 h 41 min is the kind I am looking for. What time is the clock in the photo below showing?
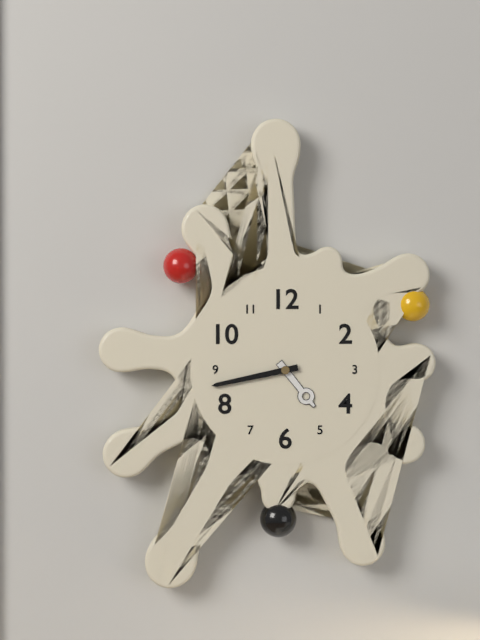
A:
4 h 43 min
